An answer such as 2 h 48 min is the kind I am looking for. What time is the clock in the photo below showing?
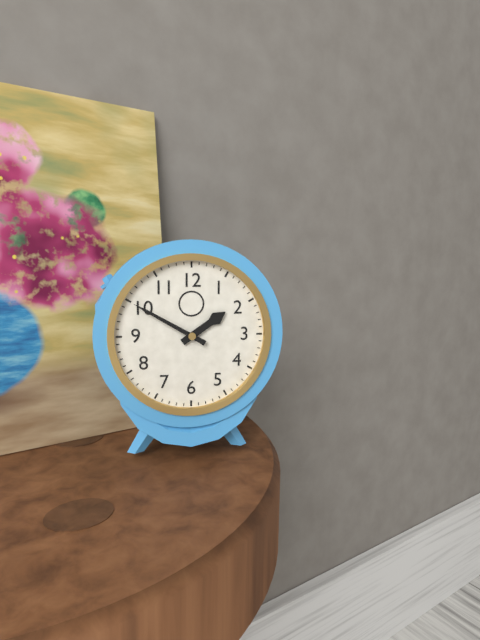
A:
1 h 50 min
